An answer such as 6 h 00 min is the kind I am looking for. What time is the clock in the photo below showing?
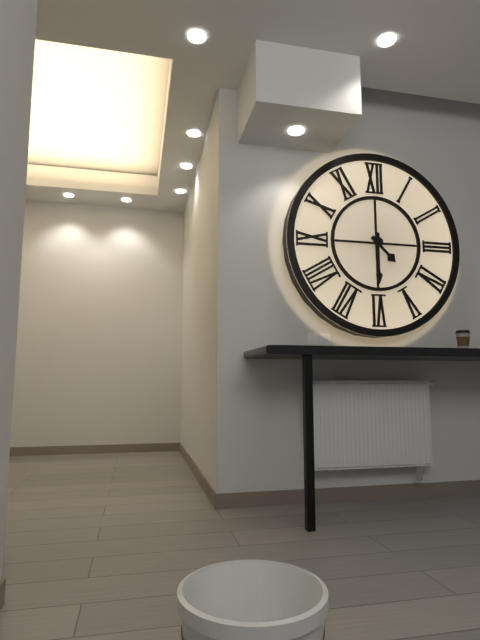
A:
4 h 30 min
